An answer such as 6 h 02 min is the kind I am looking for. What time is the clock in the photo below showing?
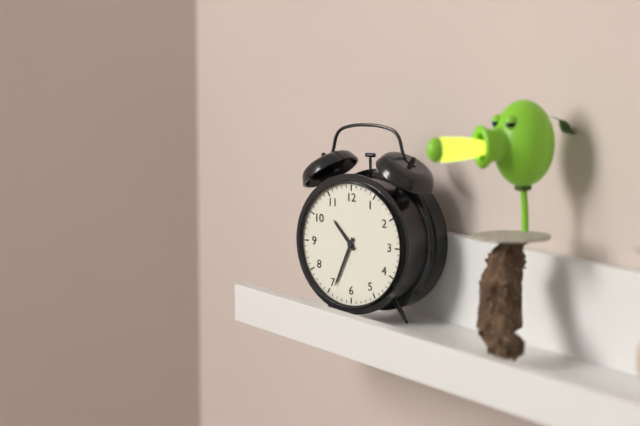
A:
10 h 34 min
